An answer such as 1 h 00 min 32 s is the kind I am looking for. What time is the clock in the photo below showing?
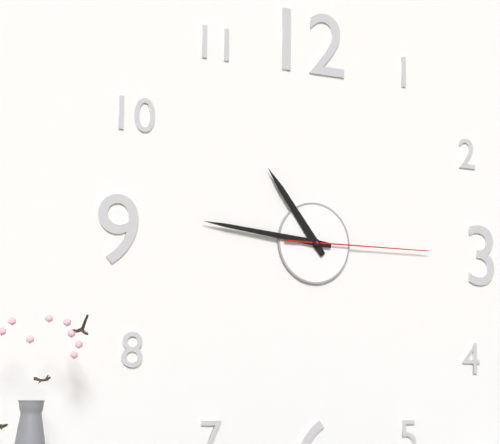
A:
10 h 46 min 15 s
